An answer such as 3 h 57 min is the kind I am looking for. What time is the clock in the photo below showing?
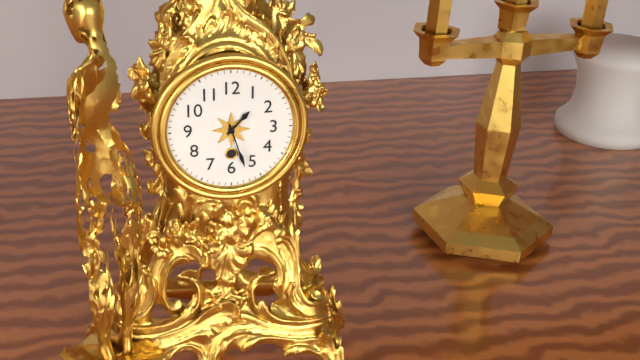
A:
1 h 27 min
